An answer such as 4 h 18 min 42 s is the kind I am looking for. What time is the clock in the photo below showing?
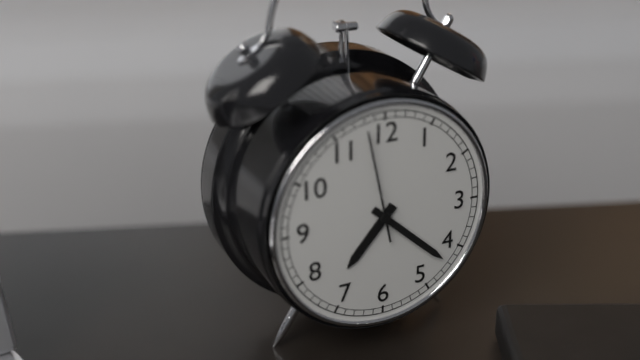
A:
7 h 22 min 58 s
